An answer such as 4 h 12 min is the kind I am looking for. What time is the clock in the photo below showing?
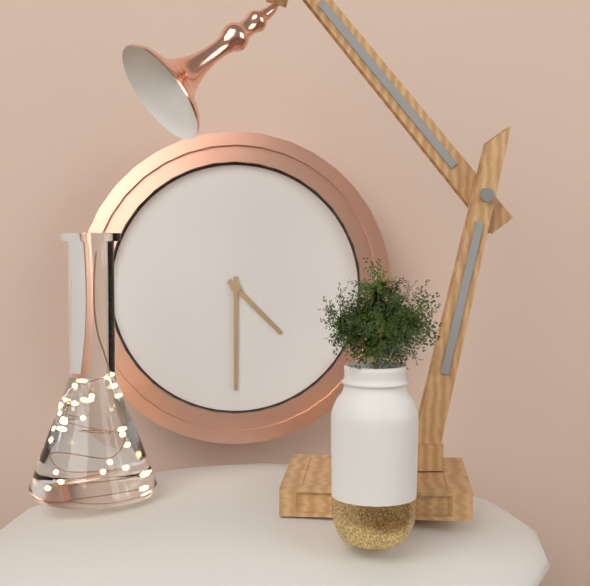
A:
4 h 30 min
